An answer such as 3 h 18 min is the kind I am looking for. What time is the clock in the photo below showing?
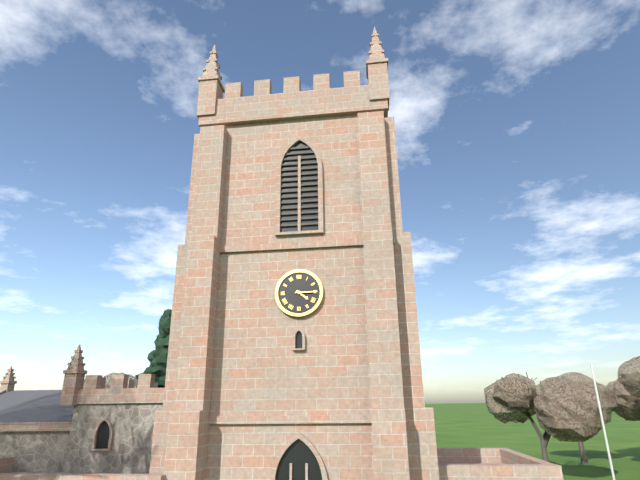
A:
4 h 15 min
